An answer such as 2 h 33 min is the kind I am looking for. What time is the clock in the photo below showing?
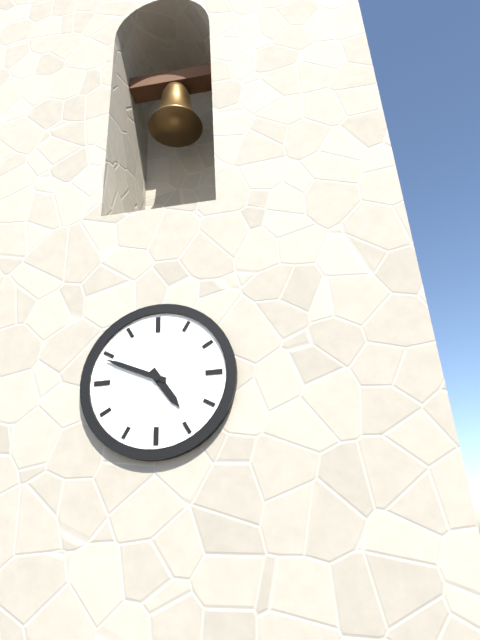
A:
4 h 49 min
